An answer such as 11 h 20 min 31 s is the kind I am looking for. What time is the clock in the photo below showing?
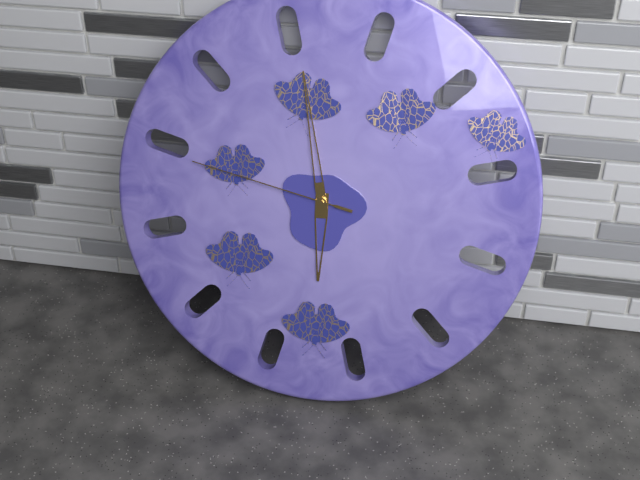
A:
5 h 58 min 47 s
